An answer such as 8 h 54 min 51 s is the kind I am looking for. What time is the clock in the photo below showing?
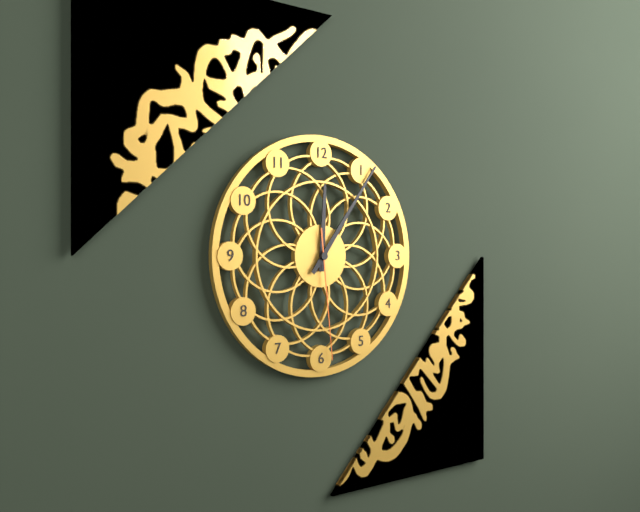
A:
12 h 06 min 29 s
